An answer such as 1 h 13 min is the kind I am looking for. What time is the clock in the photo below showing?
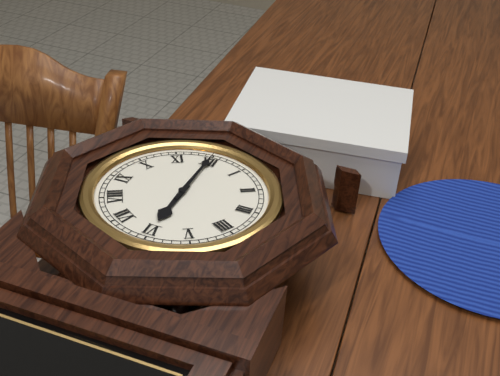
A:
6 h 00 min
